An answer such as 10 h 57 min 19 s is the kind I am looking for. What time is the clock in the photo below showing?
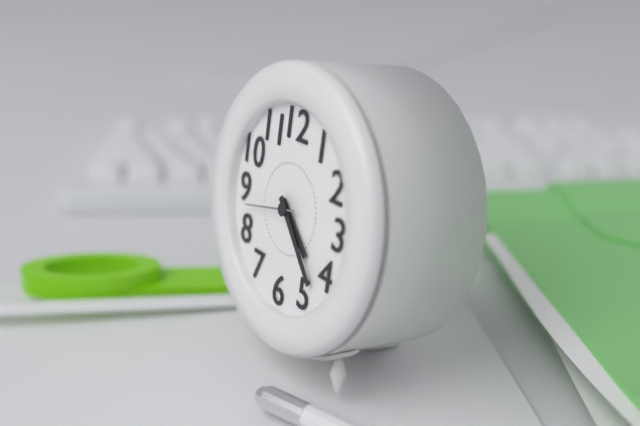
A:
4 h 23 min 43 s
